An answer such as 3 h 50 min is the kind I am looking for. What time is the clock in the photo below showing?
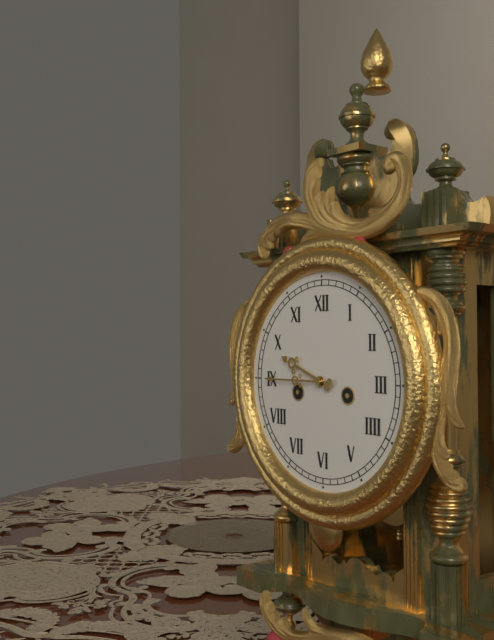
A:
9 h 45 min
